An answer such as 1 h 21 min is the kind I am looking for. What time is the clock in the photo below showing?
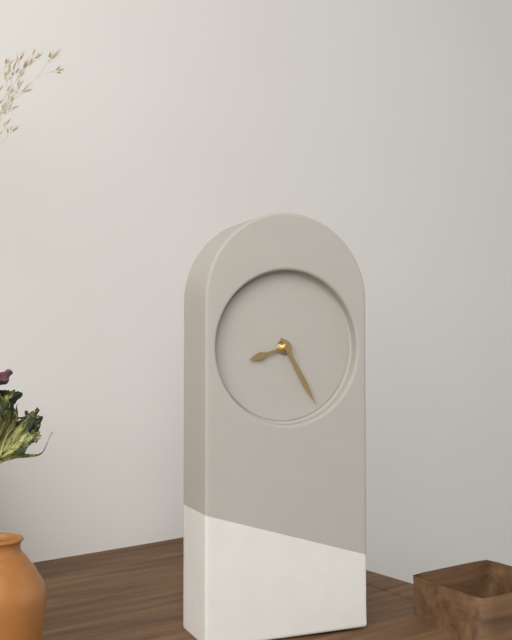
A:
8 h 25 min
